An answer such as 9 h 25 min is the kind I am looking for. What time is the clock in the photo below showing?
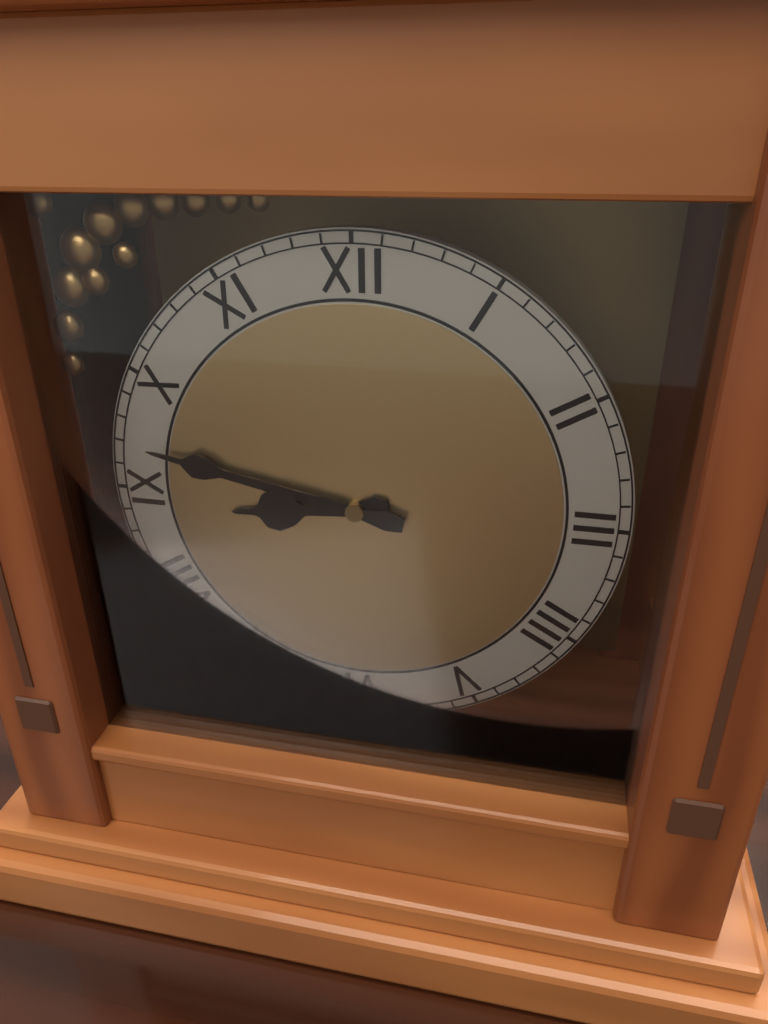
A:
8 h 47 min
